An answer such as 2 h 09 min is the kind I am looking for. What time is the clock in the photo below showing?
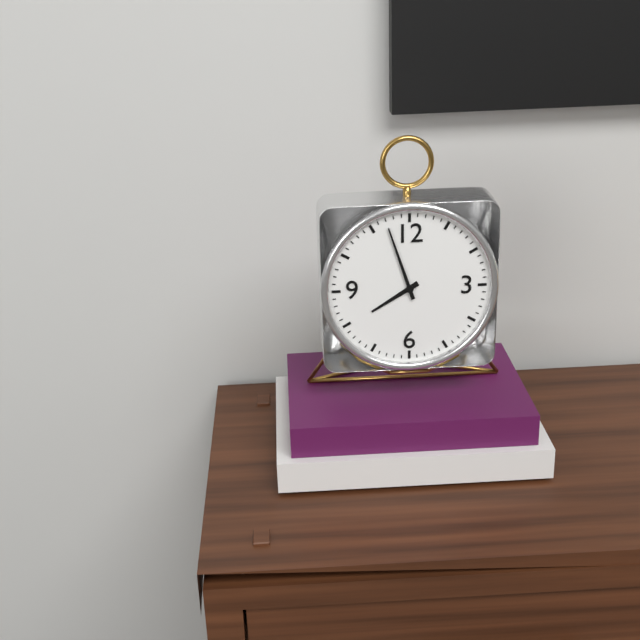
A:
7 h 57 min
